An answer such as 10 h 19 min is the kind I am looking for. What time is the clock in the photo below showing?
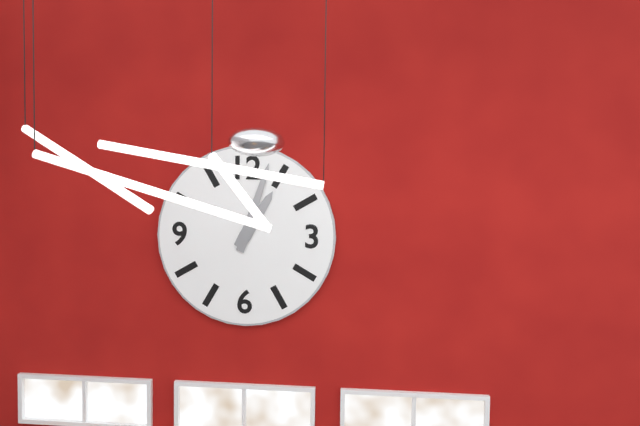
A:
1 h 03 min
